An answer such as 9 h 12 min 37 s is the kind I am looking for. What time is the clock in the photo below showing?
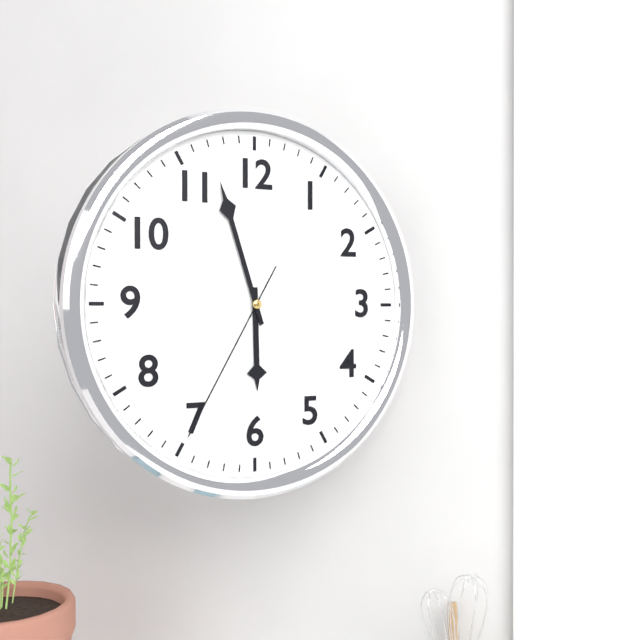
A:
5 h 57 min 35 s
